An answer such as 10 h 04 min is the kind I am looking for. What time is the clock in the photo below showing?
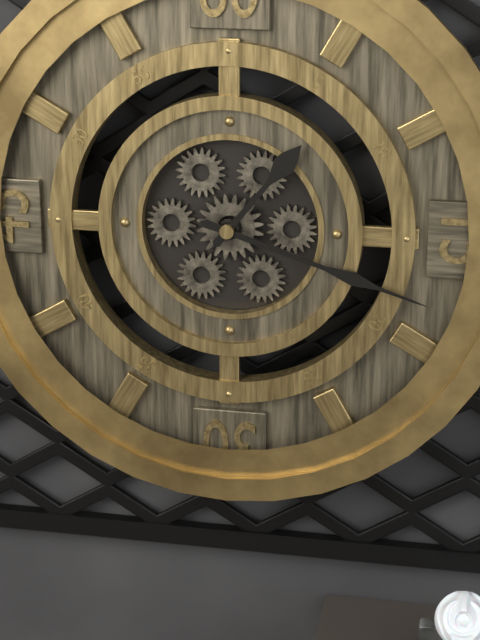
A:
1 h 18 min
